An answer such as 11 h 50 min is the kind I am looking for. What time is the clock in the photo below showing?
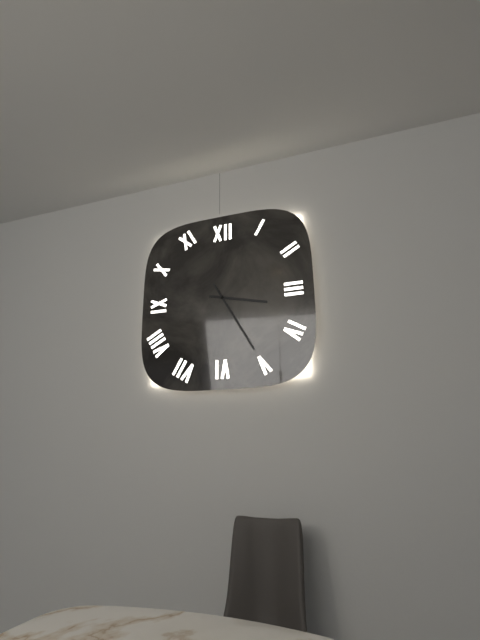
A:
3 h 25 min
